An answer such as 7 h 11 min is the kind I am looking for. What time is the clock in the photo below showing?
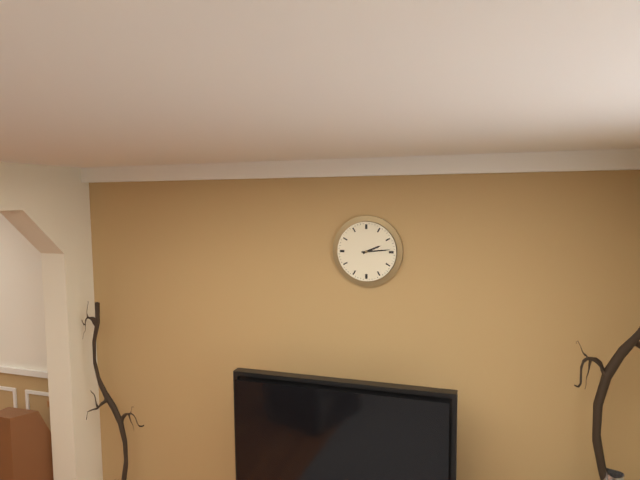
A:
2 h 14 min
